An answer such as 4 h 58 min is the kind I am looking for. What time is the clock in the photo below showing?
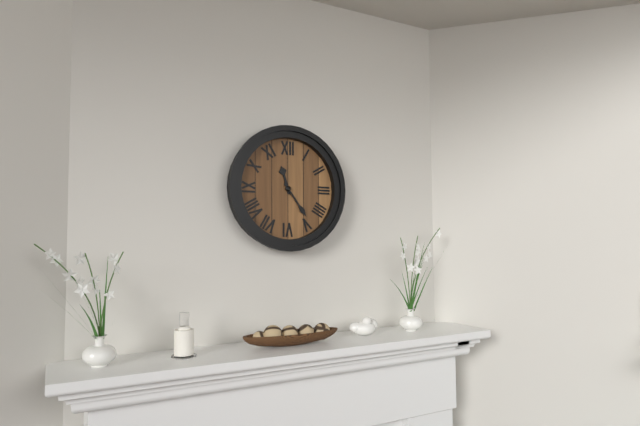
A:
11 h 24 min
